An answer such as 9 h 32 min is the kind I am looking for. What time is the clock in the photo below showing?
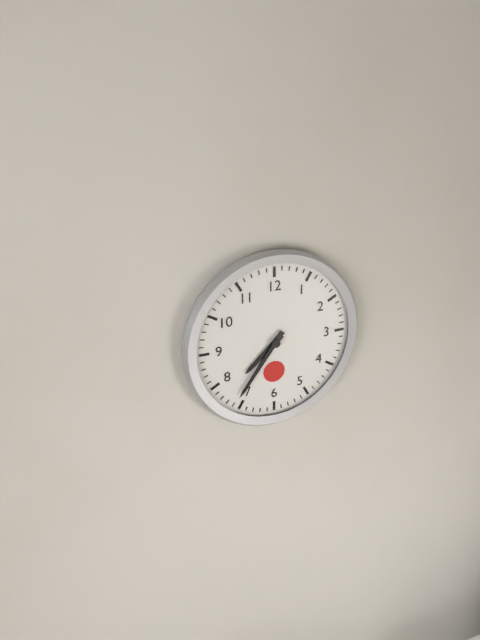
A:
7 h 36 min
